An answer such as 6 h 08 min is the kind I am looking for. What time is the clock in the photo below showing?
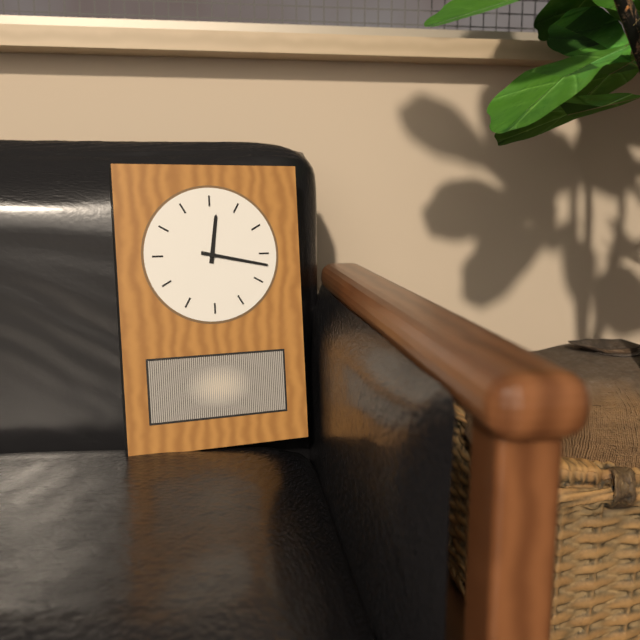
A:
12 h 17 min
